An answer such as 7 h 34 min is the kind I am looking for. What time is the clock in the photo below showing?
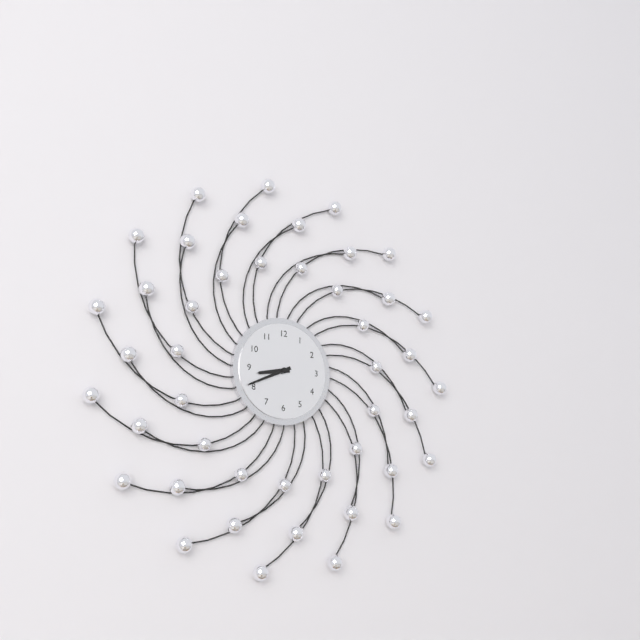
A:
8 h 41 min
